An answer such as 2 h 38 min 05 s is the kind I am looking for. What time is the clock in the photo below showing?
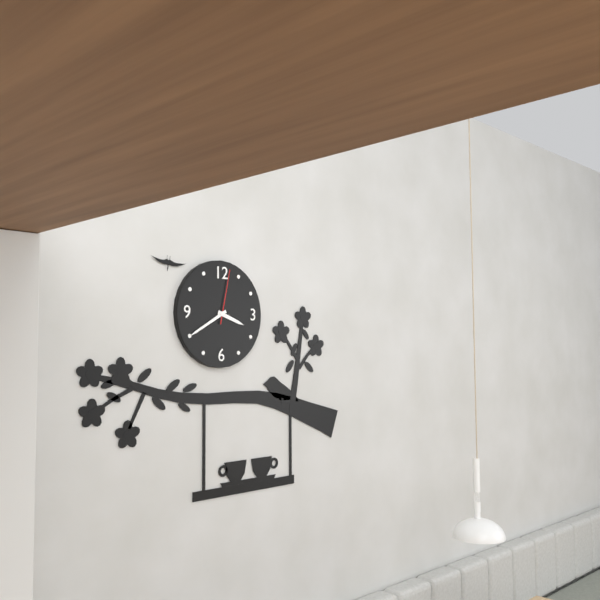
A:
3 h 40 min 02 s
